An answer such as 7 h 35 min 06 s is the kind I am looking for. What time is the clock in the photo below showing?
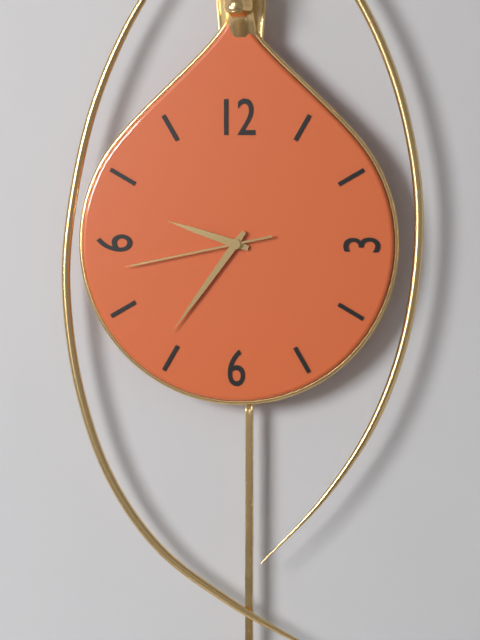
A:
9 h 36 min 43 s
